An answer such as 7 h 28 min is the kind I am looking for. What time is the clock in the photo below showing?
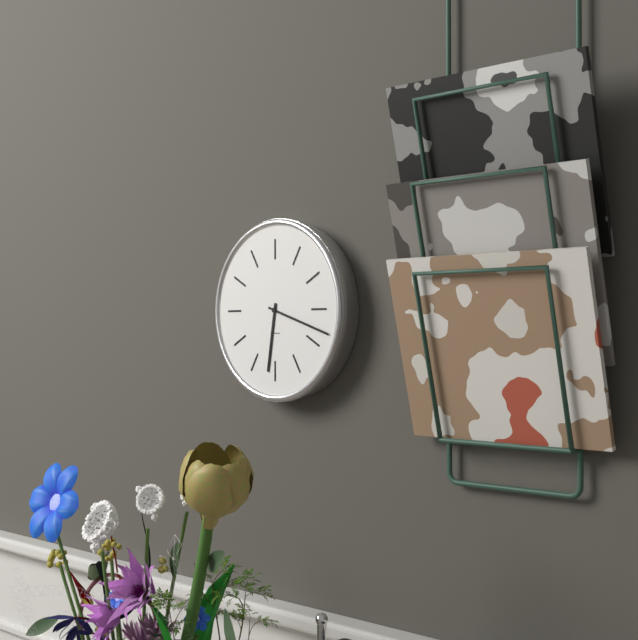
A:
6 h 18 min
